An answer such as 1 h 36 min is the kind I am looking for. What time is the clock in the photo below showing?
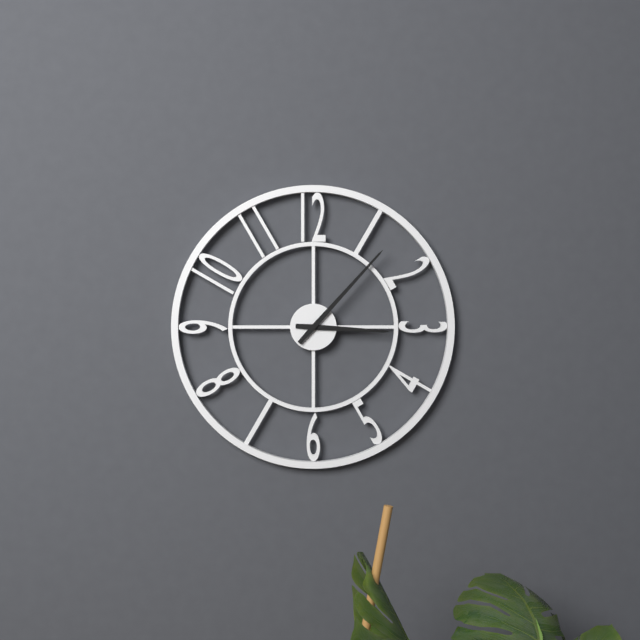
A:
3 h 07 min
